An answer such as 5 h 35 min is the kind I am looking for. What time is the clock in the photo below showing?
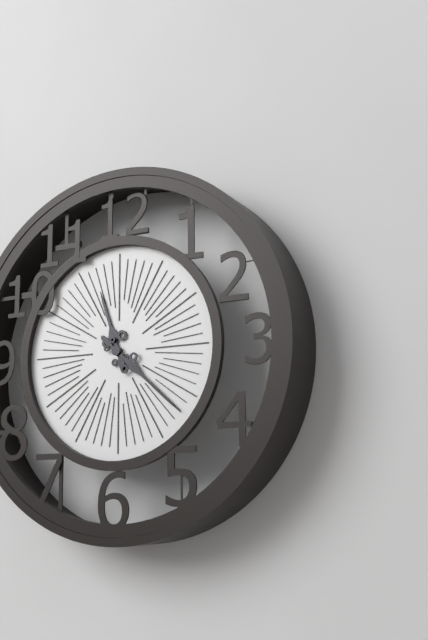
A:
11 h 22 min
